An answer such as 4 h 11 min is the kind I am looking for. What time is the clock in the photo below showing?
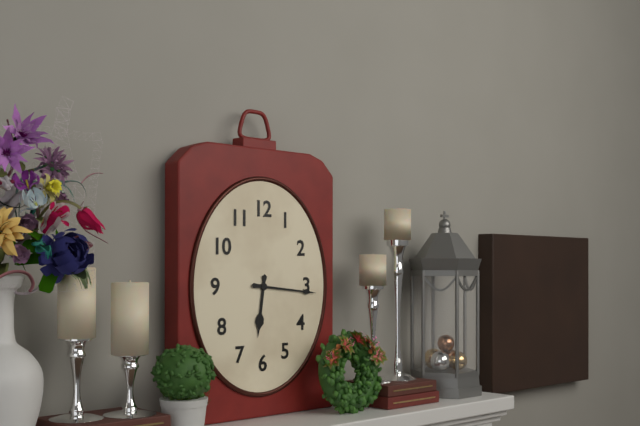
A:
6 h 16 min
